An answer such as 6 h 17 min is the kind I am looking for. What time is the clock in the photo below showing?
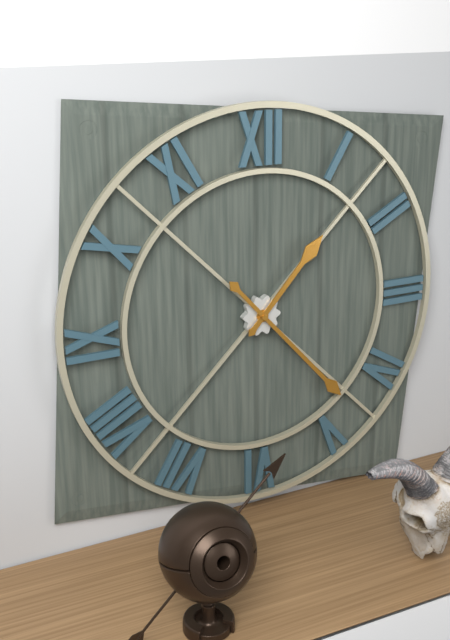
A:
1 h 23 min
